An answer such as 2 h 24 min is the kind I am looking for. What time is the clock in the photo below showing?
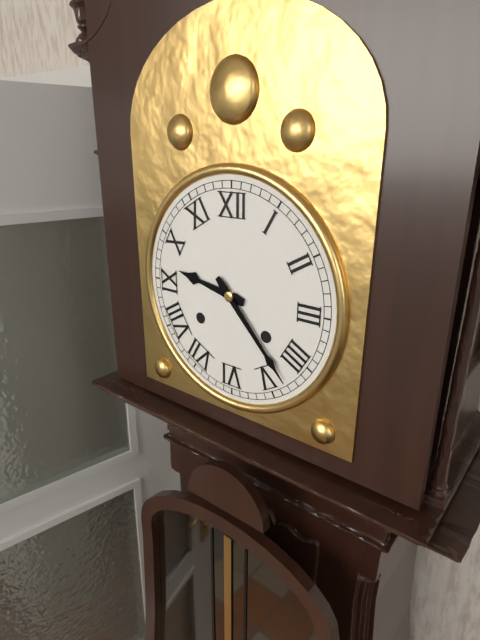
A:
9 h 23 min
